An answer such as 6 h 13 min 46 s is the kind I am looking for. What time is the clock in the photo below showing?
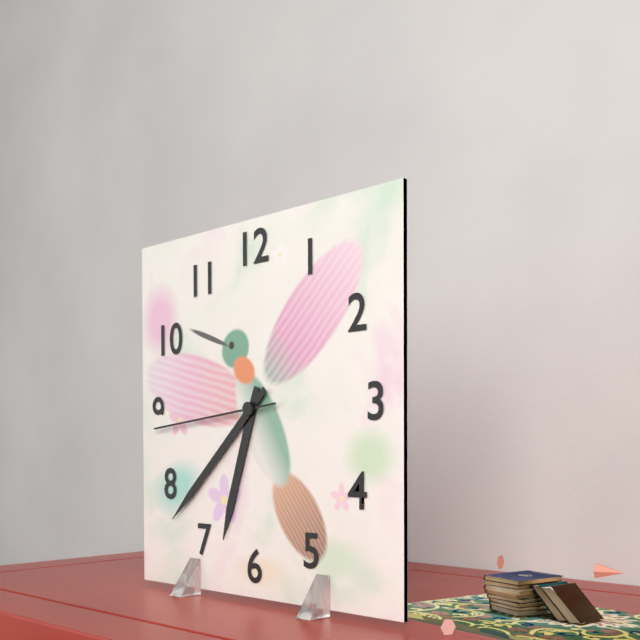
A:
6 h 38 min 44 s
